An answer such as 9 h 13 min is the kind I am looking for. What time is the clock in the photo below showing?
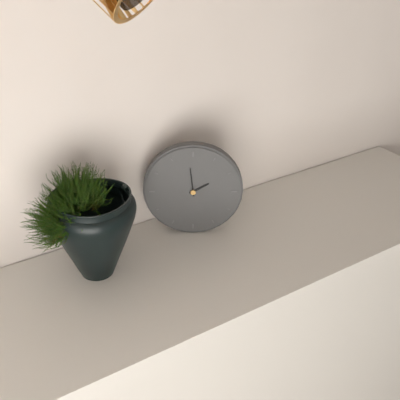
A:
1 h 59 min
